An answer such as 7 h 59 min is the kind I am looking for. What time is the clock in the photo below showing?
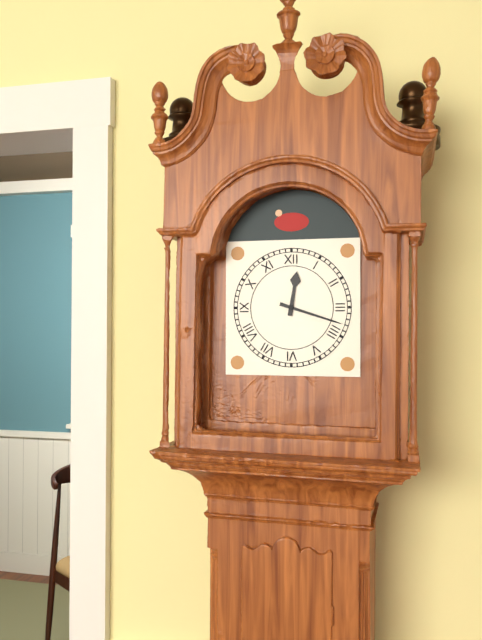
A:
12 h 18 min
